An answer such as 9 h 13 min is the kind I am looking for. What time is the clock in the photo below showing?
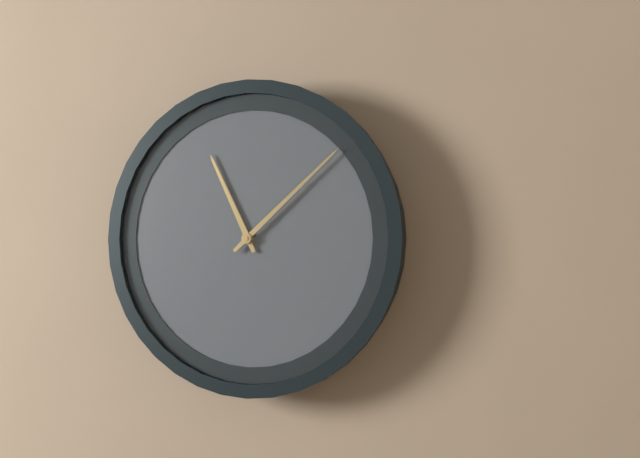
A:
11 h 08 min
